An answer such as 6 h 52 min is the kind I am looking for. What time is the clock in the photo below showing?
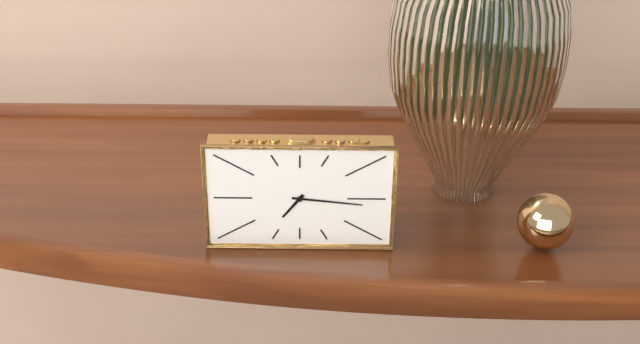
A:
7 h 16 min
